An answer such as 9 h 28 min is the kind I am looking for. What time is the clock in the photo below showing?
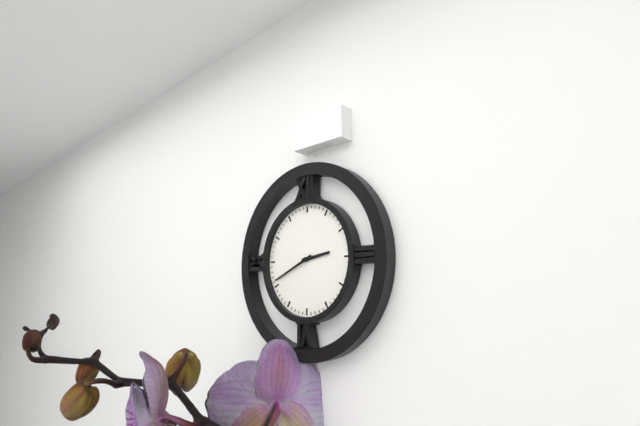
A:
2 h 41 min
